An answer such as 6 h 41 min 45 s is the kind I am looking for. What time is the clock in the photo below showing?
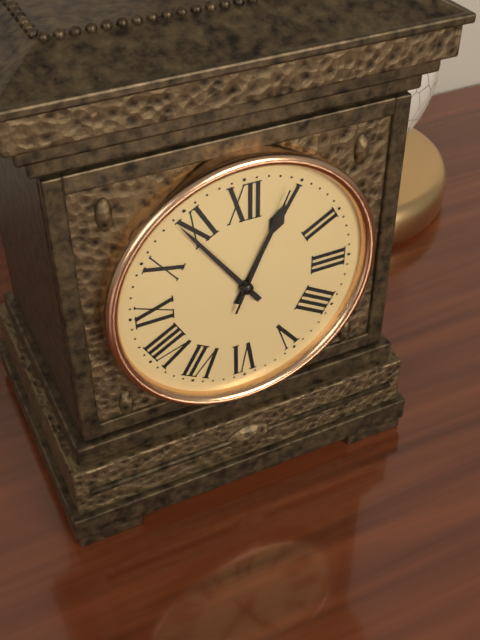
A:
12 h 54 min 04 s
